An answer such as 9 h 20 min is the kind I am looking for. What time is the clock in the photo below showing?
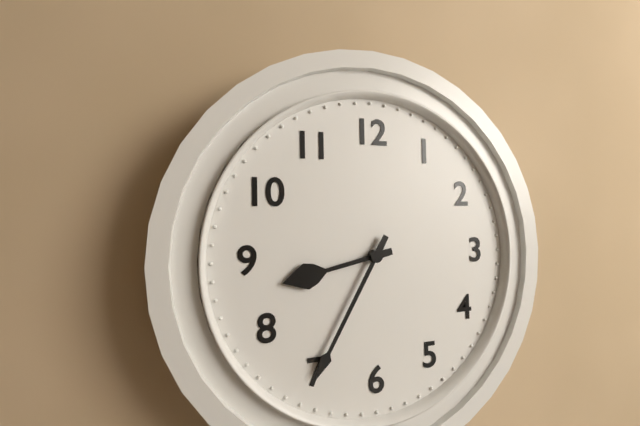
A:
8 h 35 min
